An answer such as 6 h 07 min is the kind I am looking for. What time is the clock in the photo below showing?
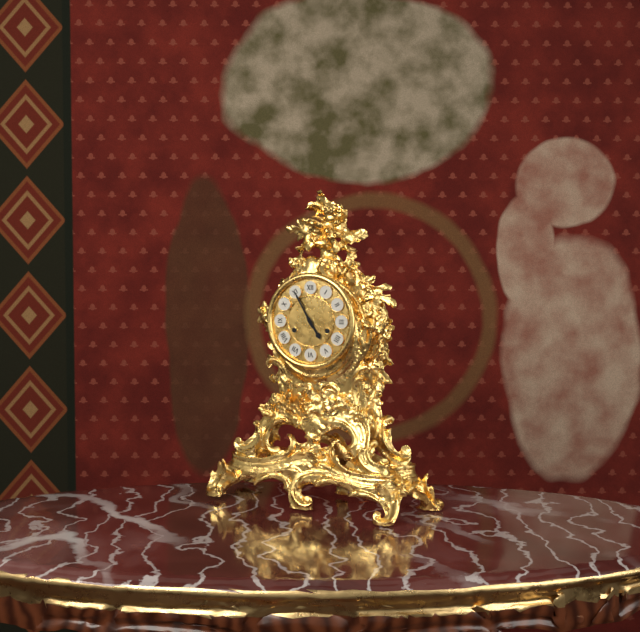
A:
4 h 55 min
